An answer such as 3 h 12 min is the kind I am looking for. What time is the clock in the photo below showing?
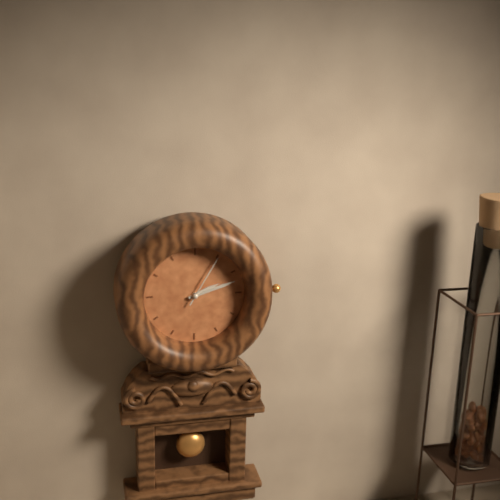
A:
2 h 12 min
